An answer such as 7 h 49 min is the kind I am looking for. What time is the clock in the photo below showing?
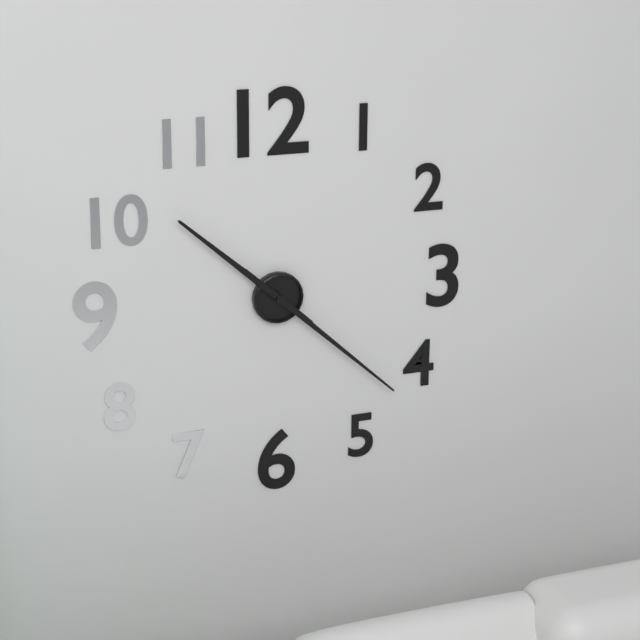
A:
10 h 22 min
